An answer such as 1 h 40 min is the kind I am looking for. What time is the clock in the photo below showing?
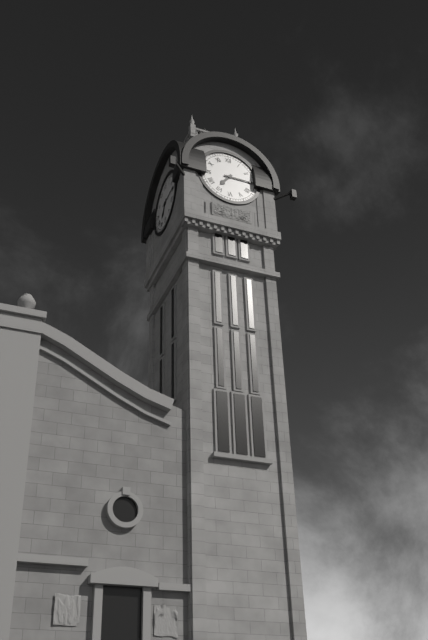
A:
7 h 15 min
